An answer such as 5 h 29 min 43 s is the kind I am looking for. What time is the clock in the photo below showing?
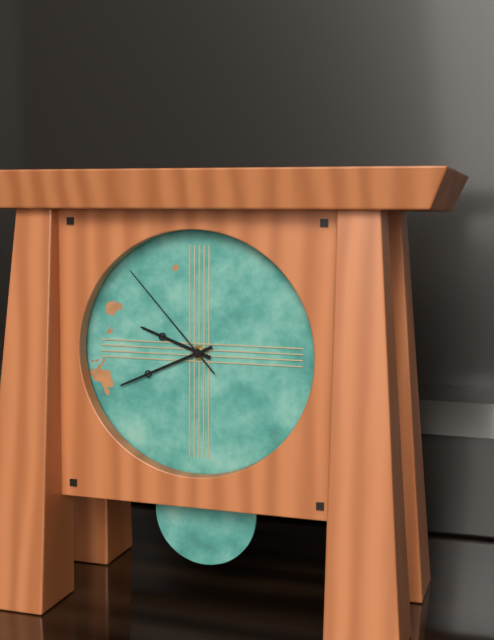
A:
9 h 41 min 53 s
